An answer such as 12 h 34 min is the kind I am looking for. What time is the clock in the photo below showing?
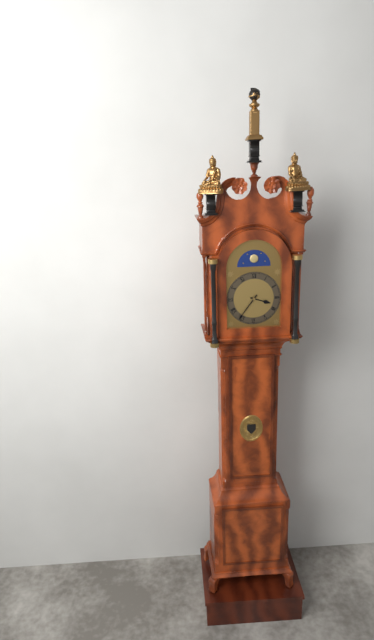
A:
3 h 36 min
